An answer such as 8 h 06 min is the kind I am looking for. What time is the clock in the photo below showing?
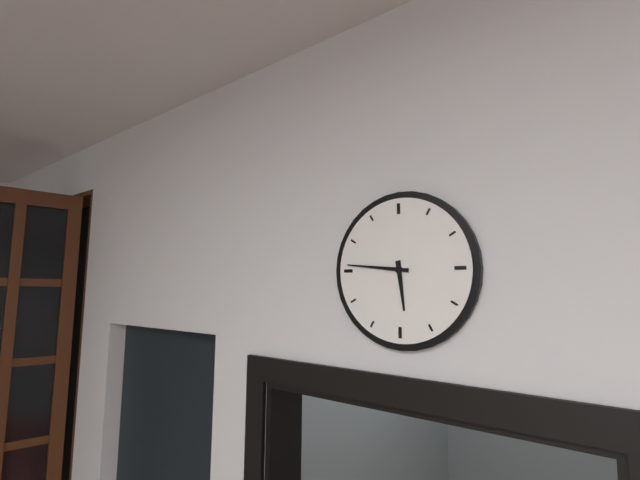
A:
5 h 46 min
